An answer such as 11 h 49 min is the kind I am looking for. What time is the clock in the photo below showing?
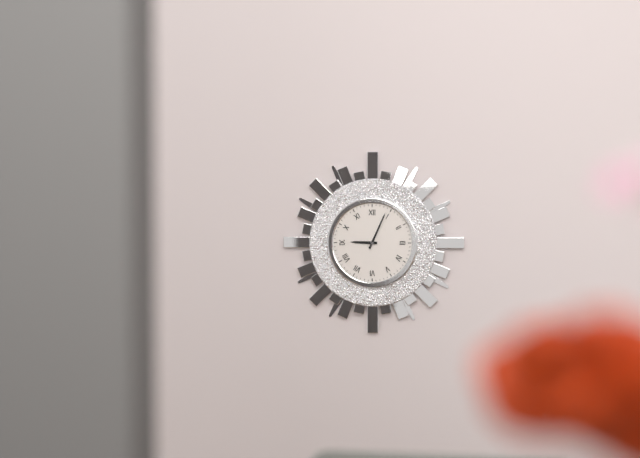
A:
9 h 04 min
